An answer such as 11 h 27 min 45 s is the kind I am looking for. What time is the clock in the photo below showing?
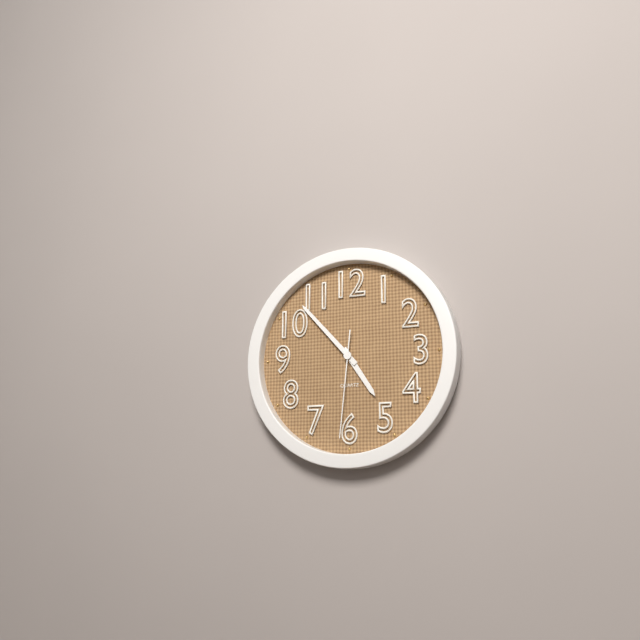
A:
4 h 53 min 31 s
